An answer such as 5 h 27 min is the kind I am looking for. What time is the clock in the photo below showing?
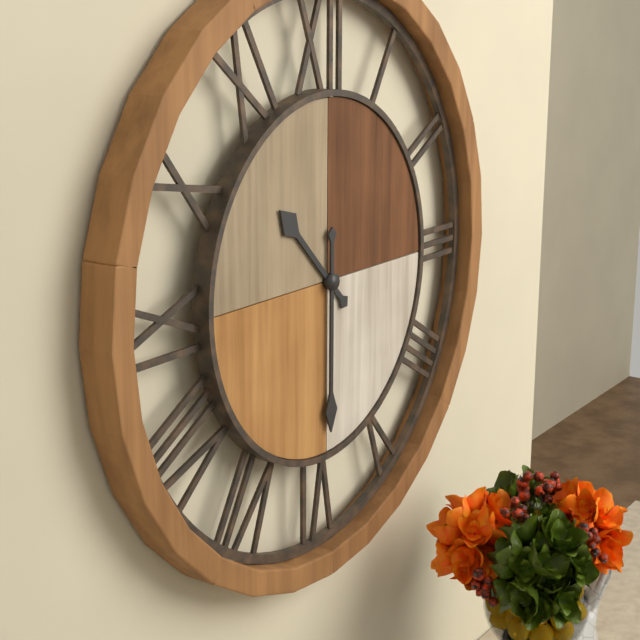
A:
10 h 30 min
